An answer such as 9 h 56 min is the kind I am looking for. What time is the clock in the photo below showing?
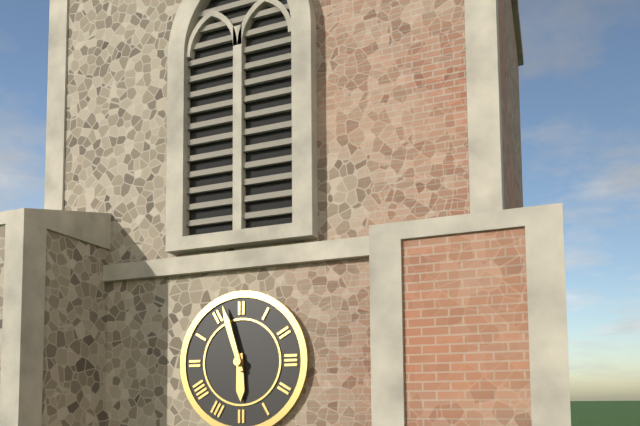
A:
5 h 57 min
